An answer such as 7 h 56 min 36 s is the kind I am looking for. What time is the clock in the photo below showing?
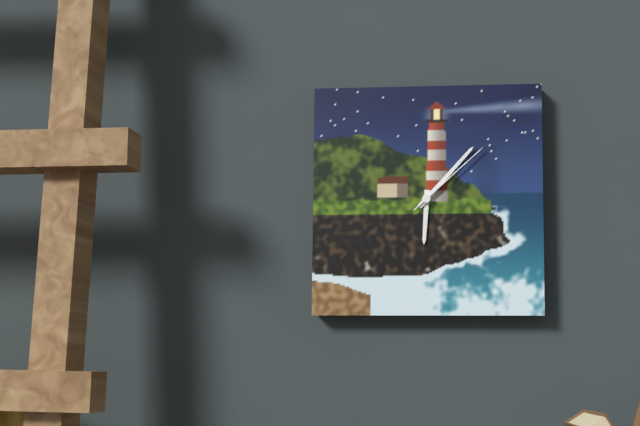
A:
6 h 07 min 08 s
